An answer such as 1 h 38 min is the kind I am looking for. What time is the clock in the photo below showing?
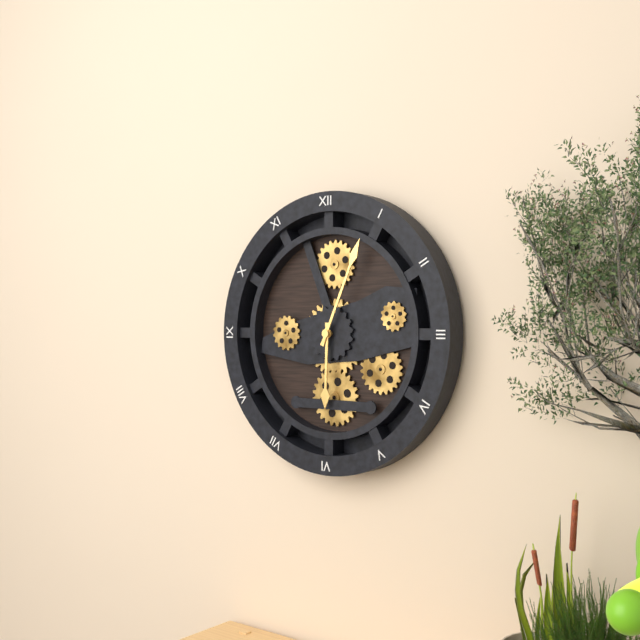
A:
6 h 04 min
